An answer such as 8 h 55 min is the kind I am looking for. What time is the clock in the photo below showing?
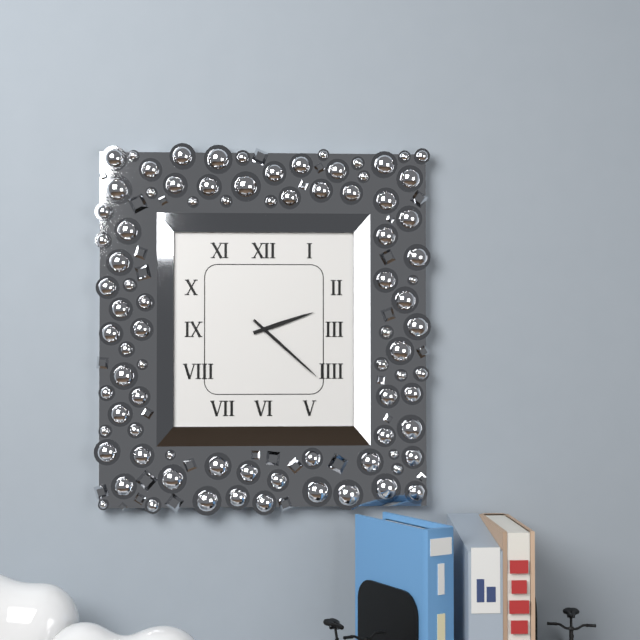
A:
2 h 22 min
